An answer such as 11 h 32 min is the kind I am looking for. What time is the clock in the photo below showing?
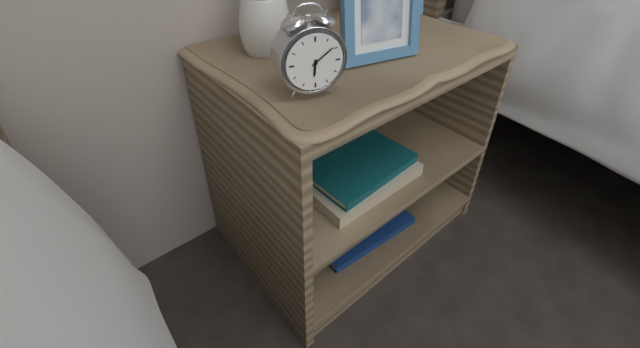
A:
6 h 09 min
